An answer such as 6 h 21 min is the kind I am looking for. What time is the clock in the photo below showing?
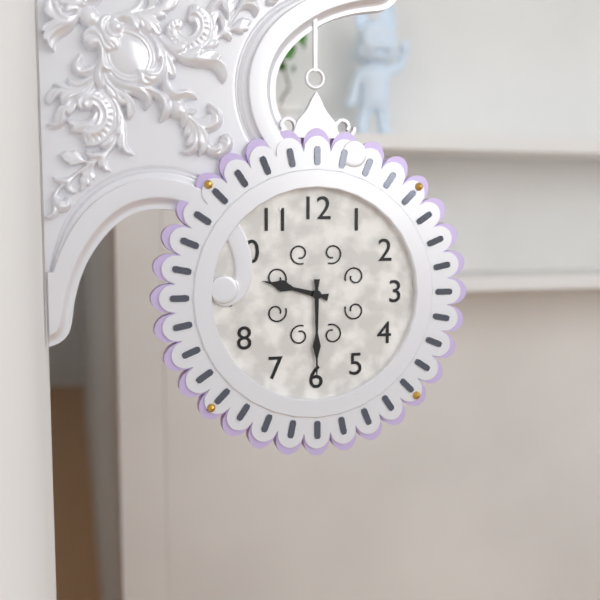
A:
9 h 30 min
